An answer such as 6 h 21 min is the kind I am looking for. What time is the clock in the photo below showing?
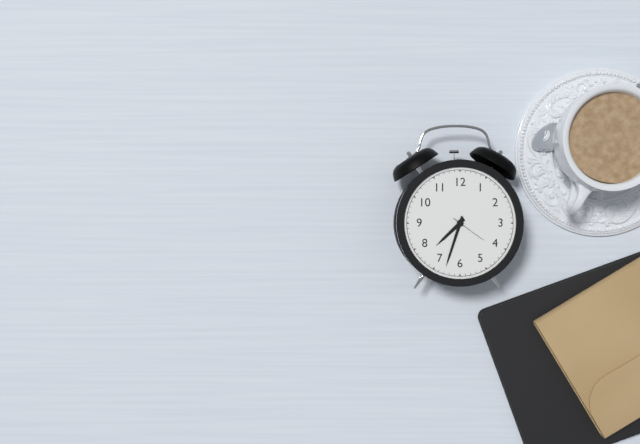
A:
7 h 33 min
